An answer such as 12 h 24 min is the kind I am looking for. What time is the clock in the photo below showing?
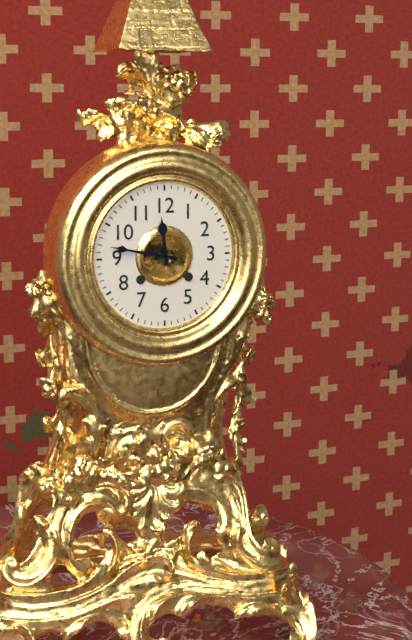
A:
11 h 47 min
